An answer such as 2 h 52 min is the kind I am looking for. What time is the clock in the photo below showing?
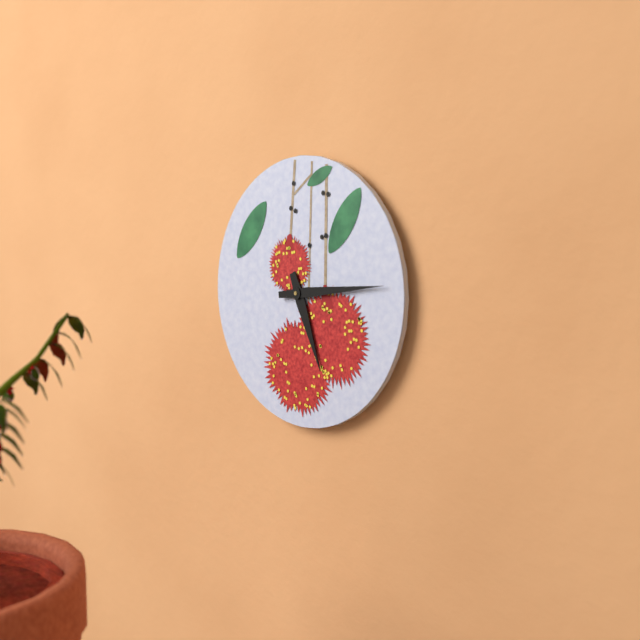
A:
5 h 14 min
